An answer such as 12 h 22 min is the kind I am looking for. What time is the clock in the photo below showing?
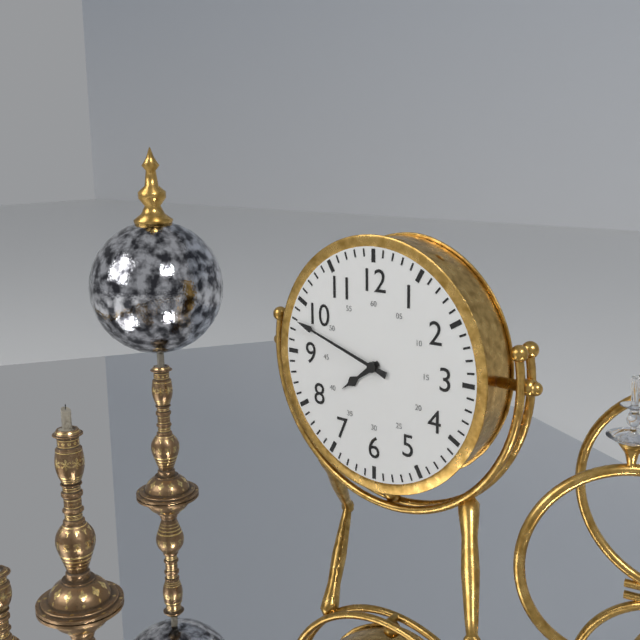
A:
7 h 48 min
